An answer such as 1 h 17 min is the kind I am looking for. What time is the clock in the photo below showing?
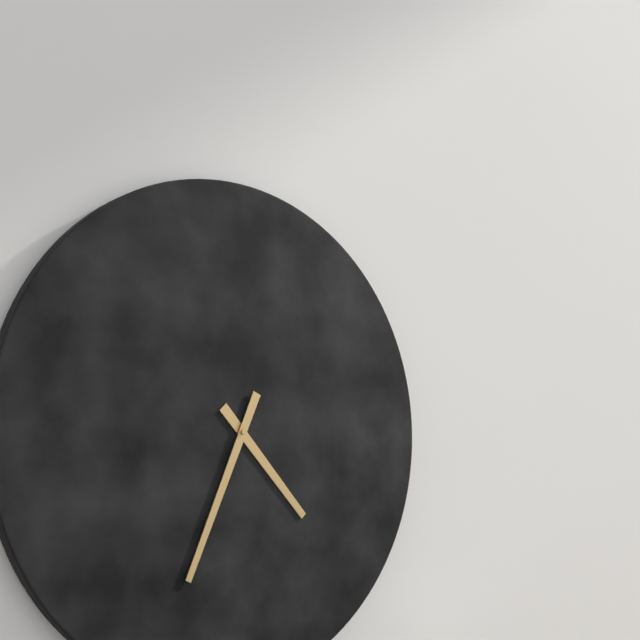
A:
4 h 34 min
